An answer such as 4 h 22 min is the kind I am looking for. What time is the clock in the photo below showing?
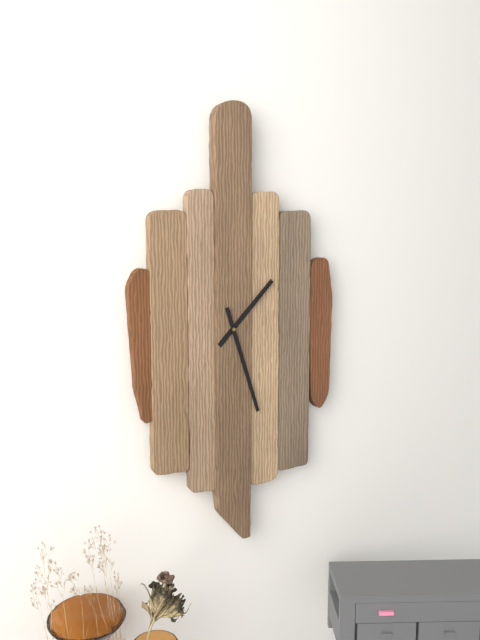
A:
1 h 27 min
